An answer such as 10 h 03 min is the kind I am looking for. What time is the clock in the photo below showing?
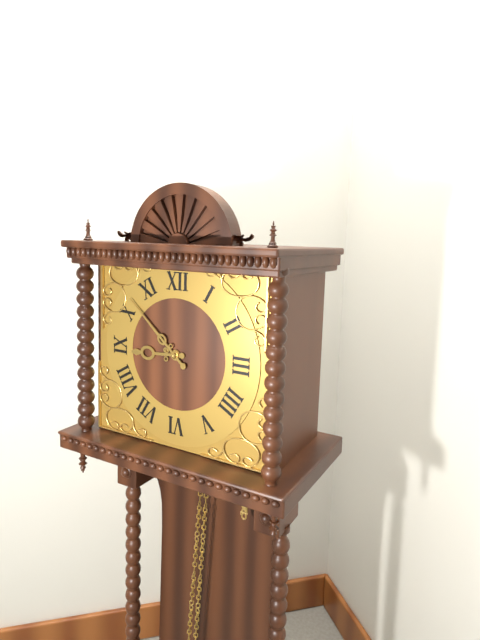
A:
8 h 52 min
